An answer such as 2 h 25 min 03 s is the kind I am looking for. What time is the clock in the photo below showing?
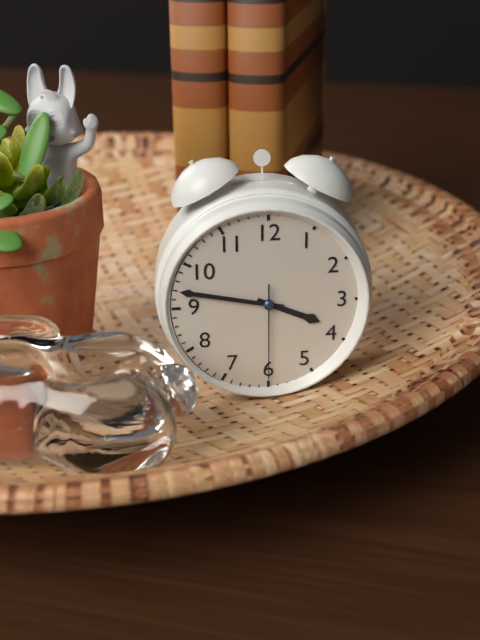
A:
3 h 47 min 30 s
